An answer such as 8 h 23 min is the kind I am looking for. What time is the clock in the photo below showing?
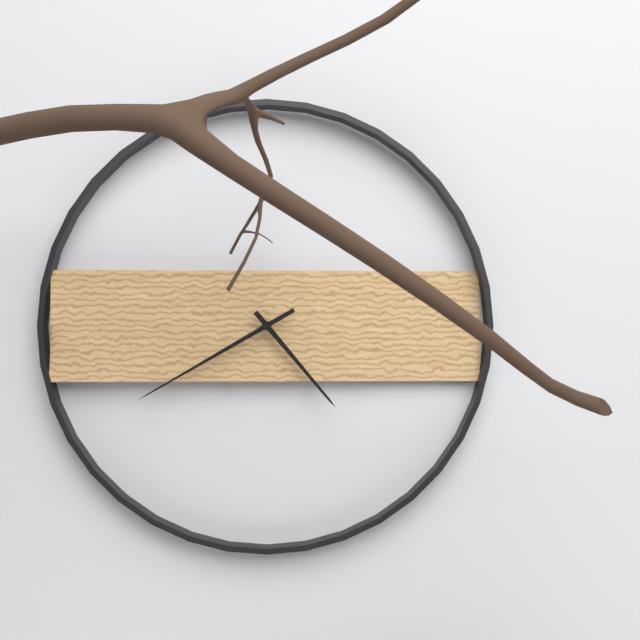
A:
4 h 40 min
